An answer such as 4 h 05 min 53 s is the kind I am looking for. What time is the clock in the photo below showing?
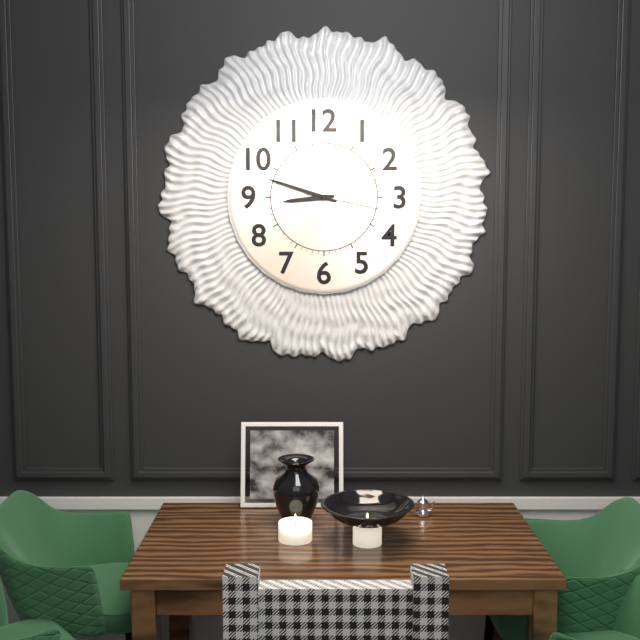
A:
8 h 48 min 17 s
